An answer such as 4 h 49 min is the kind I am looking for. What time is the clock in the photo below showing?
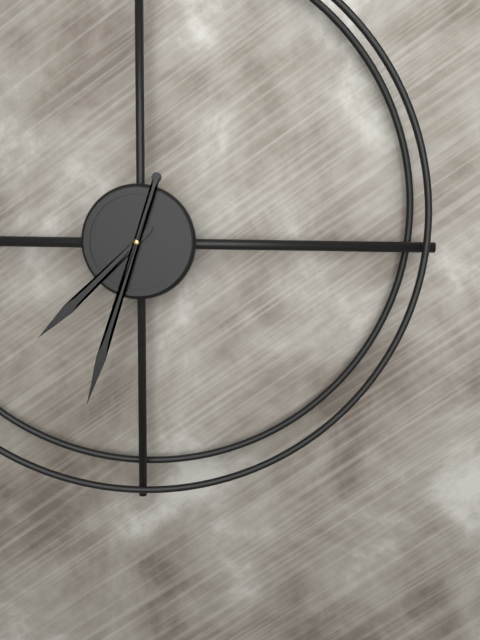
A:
7 h 33 min
